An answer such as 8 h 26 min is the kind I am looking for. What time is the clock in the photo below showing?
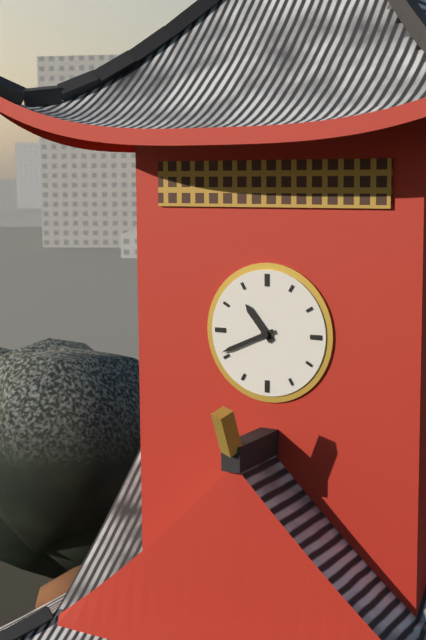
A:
10 h 41 min
